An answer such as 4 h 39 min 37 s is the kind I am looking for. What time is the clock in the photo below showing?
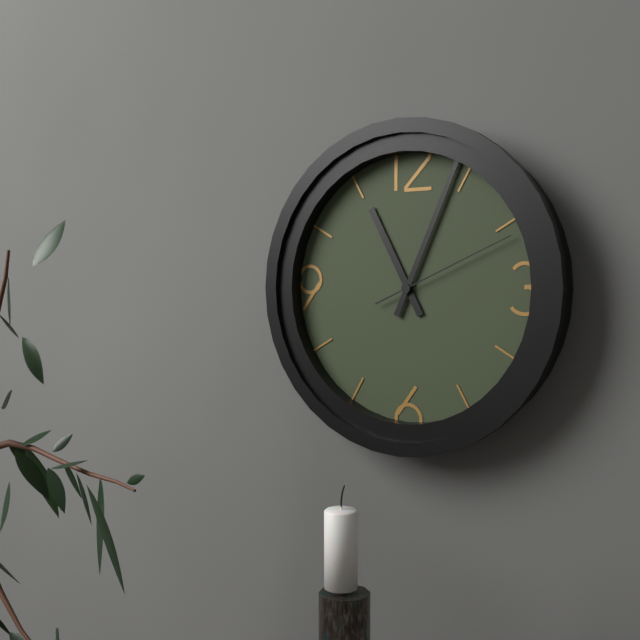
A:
11 h 04 min 11 s
